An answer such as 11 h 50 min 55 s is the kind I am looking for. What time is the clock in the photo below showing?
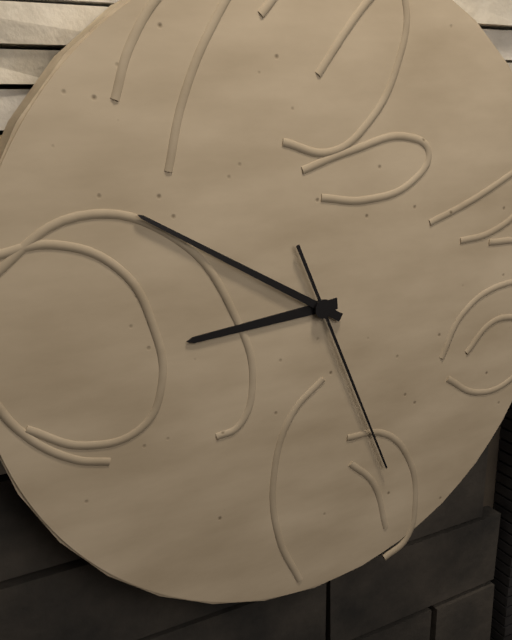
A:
8 h 50 min 26 s
